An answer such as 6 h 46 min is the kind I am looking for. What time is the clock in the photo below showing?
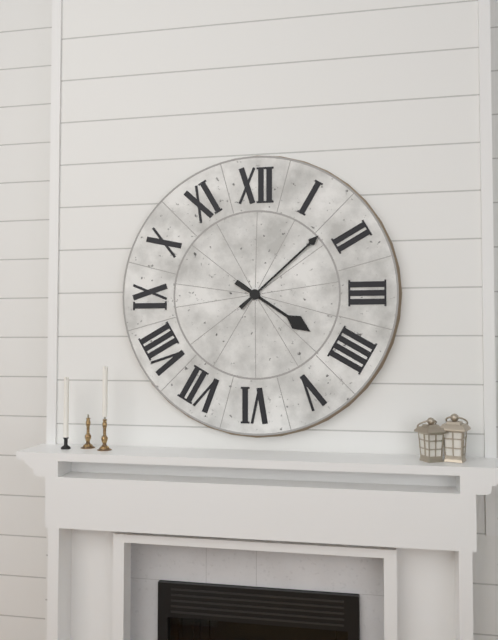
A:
4 h 08 min
